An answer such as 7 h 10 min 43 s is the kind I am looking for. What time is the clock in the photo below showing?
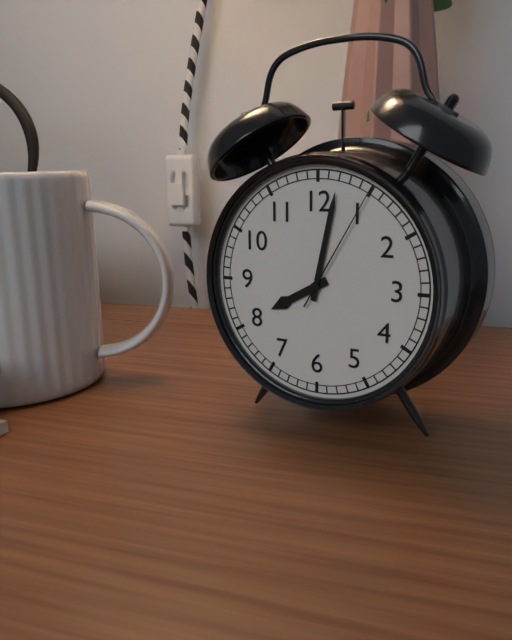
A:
8 h 02 min 05 s
